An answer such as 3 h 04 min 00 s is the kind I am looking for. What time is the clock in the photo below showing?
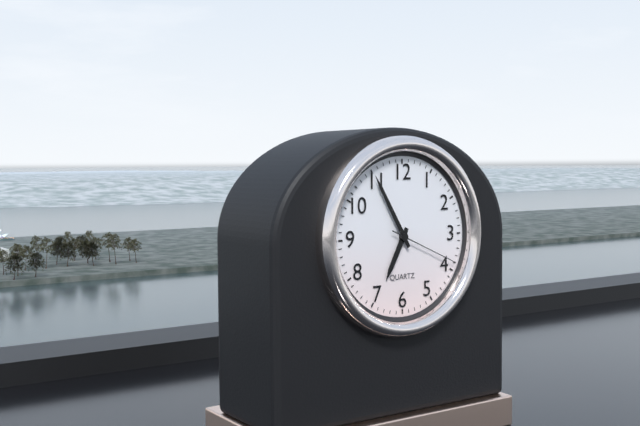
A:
6 h 55 min 19 s
